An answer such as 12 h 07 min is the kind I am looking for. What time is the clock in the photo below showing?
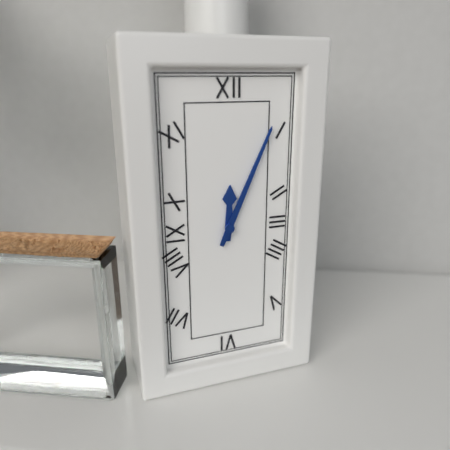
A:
12 h 04 min
